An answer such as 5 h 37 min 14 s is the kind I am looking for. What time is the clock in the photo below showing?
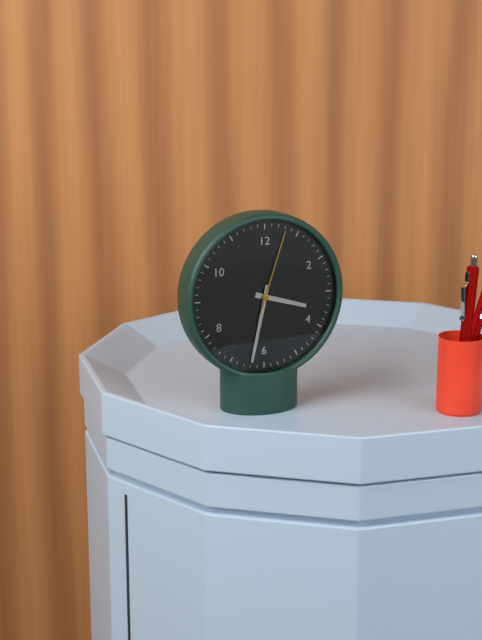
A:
3 h 32 min 03 s
